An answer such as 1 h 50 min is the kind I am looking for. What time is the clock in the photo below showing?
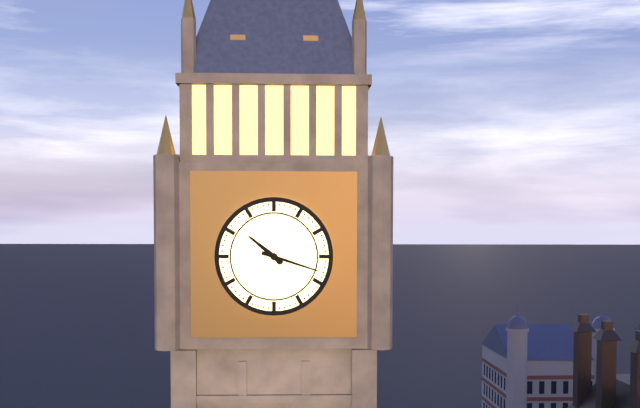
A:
10 h 18 min
